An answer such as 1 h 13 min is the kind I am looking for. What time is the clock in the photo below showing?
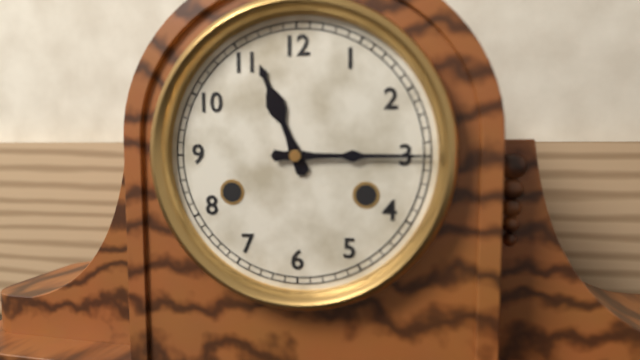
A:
11 h 15 min
